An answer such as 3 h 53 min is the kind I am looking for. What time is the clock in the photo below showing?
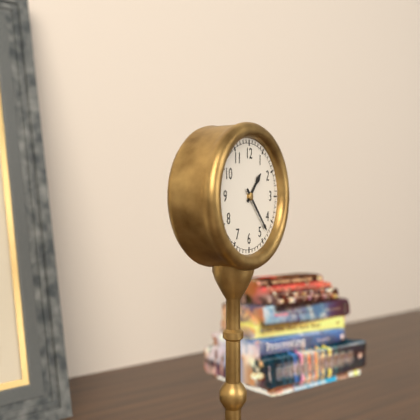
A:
1 h 23 min
